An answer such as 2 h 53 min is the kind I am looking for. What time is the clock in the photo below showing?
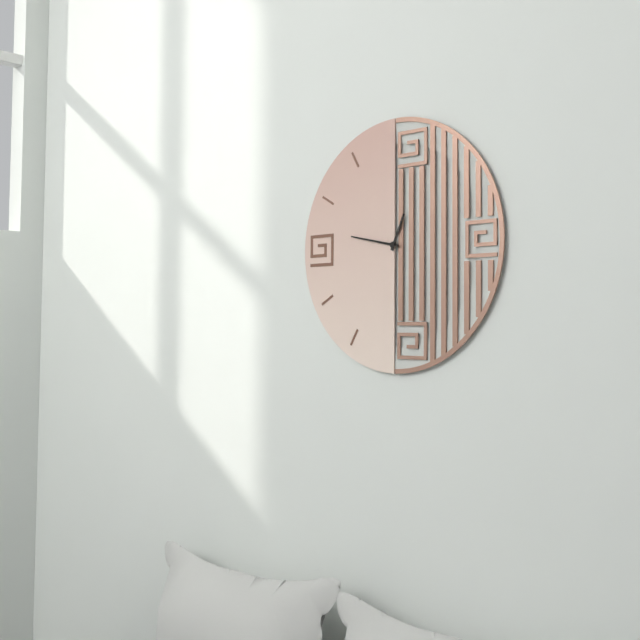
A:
12 h 47 min
